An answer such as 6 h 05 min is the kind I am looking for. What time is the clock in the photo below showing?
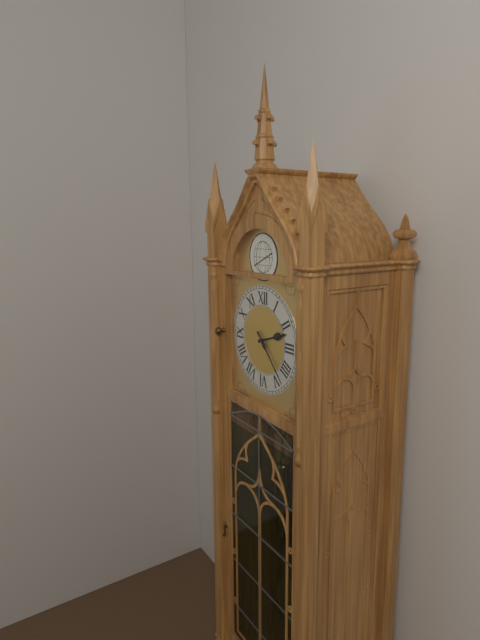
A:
2 h 23 min
